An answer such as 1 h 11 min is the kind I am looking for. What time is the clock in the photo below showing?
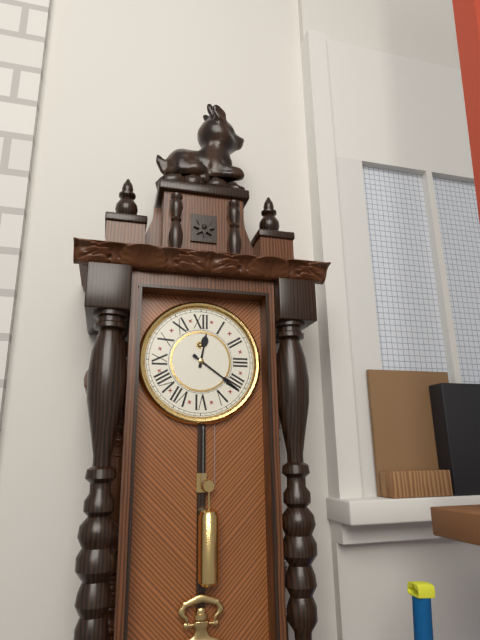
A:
12 h 21 min
